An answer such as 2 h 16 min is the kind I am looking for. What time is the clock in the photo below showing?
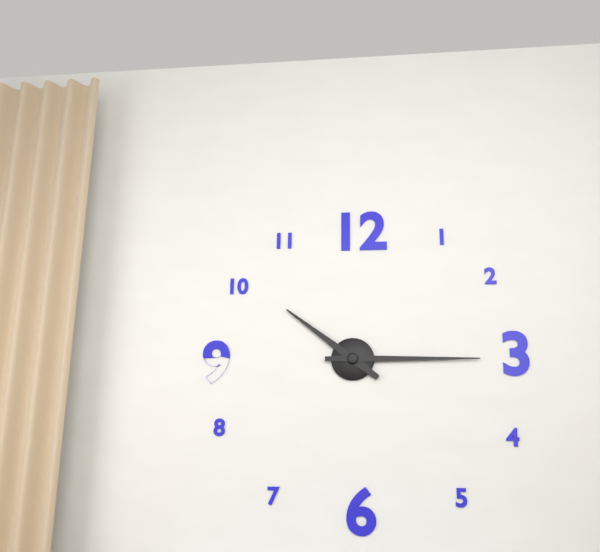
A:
10 h 15 min
